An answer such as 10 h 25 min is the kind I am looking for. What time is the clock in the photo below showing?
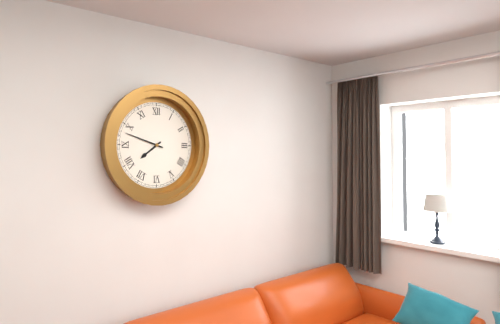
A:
7 h 48 min
